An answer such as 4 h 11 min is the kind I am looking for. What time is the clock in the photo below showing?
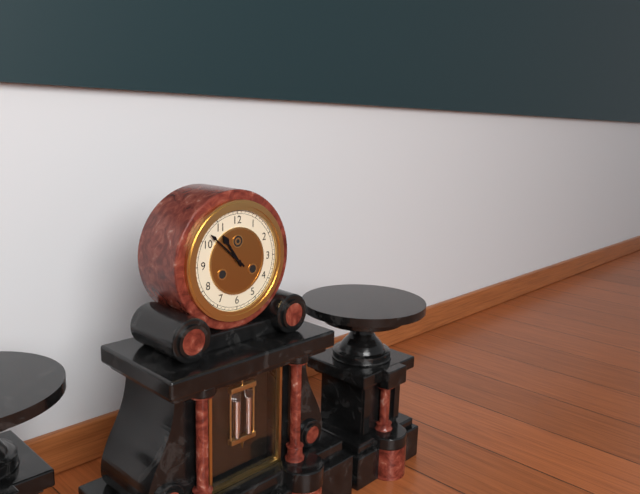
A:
10 h 52 min
